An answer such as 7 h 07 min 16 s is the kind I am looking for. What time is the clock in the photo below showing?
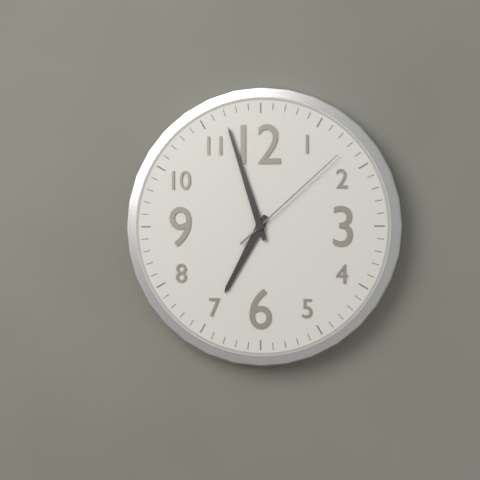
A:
6 h 57 min 08 s
